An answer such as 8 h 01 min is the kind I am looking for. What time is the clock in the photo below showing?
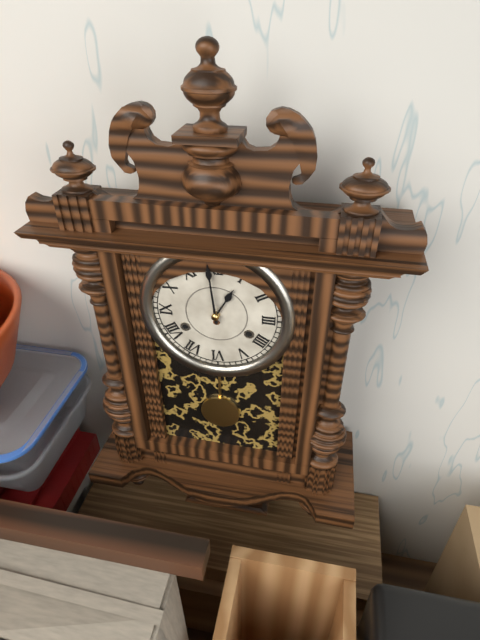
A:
12 h 59 min
